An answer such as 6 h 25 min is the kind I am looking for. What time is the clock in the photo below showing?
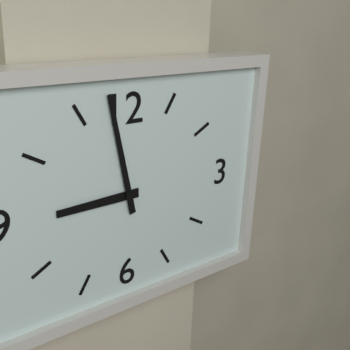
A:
8 h 58 min
